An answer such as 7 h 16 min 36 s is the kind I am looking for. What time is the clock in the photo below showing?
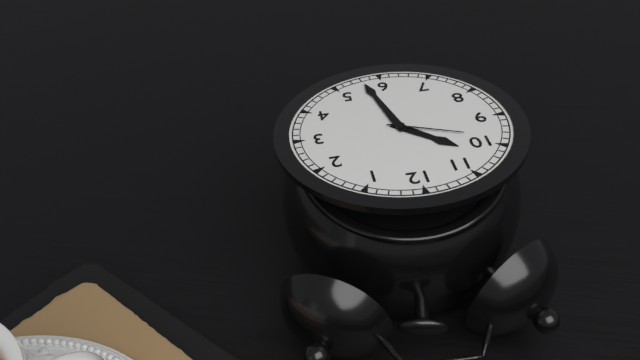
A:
10 h 28 min 49 s
